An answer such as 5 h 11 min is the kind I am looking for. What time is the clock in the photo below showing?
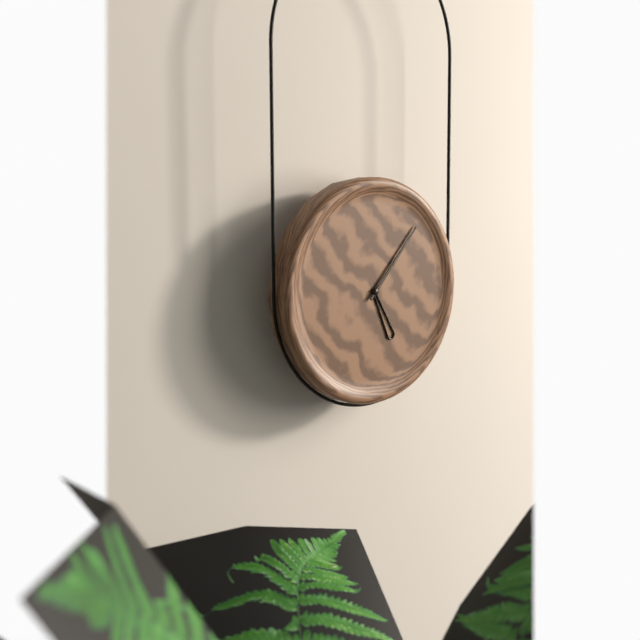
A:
5 h 07 min
